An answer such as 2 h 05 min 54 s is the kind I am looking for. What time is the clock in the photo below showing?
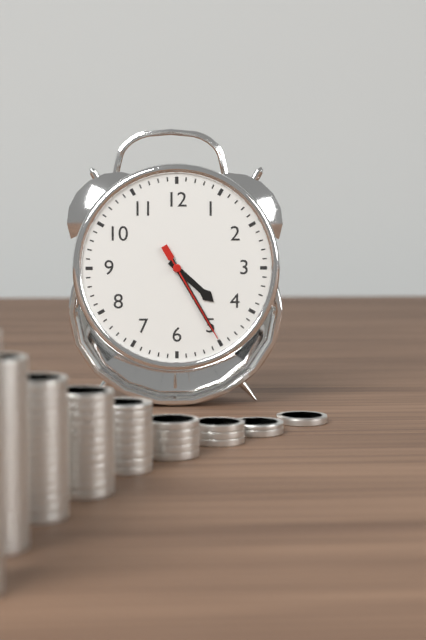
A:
4 h 25 min 25 s
